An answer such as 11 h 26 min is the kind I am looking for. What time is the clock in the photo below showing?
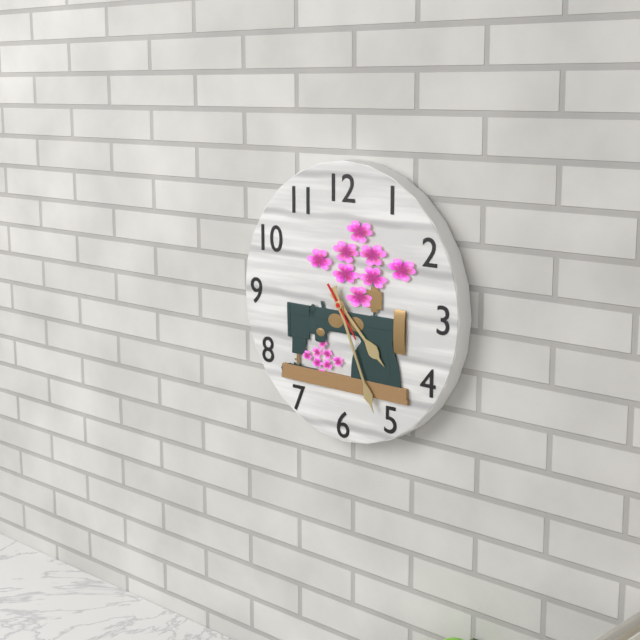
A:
4 h 26 min
